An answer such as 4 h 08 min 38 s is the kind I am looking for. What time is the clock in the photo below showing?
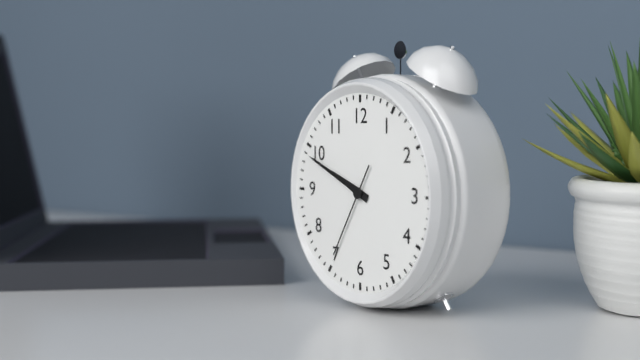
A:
9 h 49 min 35 s
